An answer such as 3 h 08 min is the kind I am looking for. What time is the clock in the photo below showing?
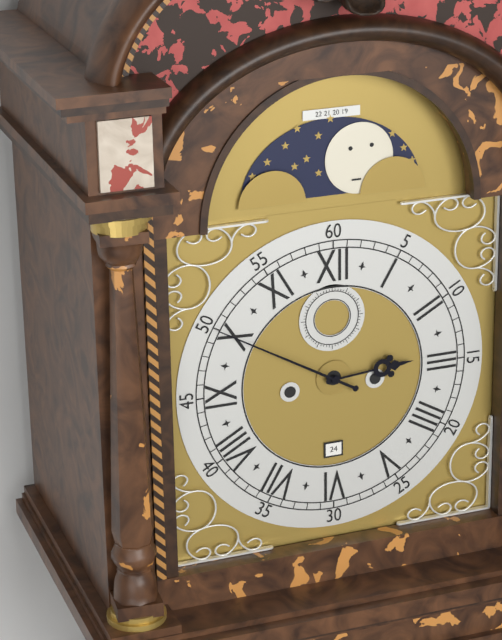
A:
2 h 50 min
